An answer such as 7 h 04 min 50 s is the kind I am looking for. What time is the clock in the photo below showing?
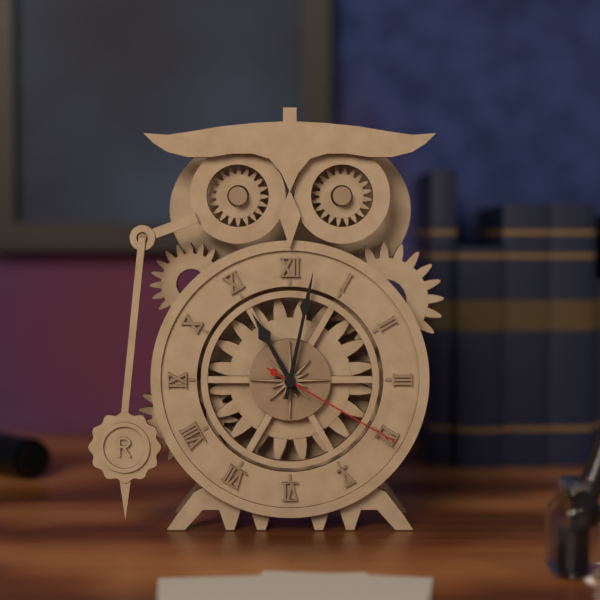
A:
11 h 02 min 20 s
